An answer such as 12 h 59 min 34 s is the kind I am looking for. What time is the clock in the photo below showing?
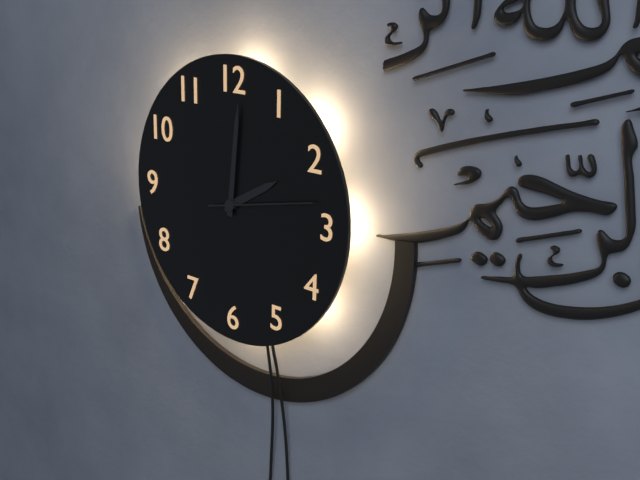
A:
2 h 01 min 13 s
